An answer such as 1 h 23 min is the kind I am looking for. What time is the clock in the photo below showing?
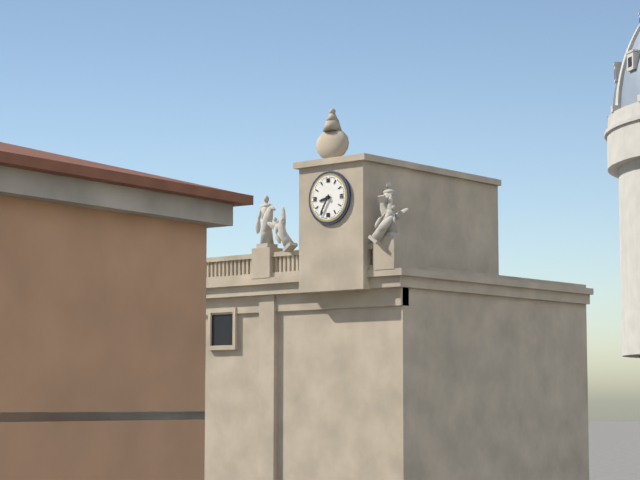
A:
8 h 35 min
